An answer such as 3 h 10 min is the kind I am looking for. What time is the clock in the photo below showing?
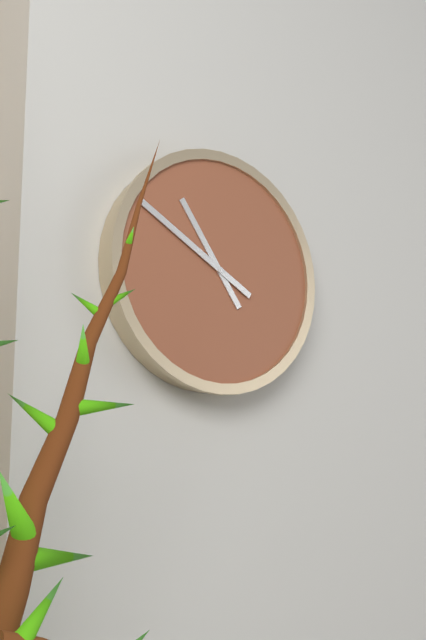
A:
10 h 50 min
